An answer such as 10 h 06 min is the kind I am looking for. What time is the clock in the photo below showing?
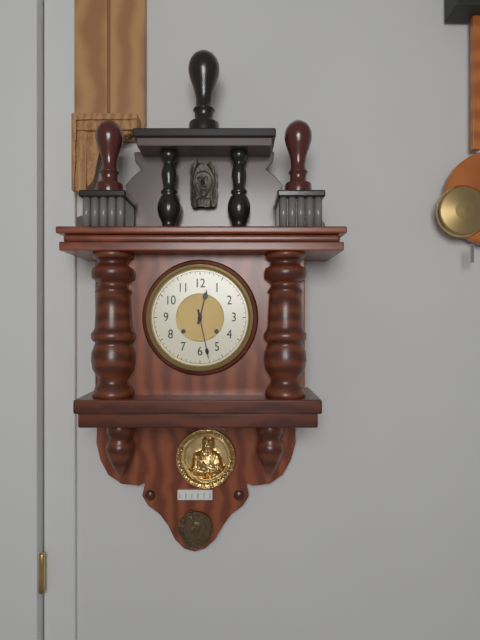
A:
12 h 28 min
